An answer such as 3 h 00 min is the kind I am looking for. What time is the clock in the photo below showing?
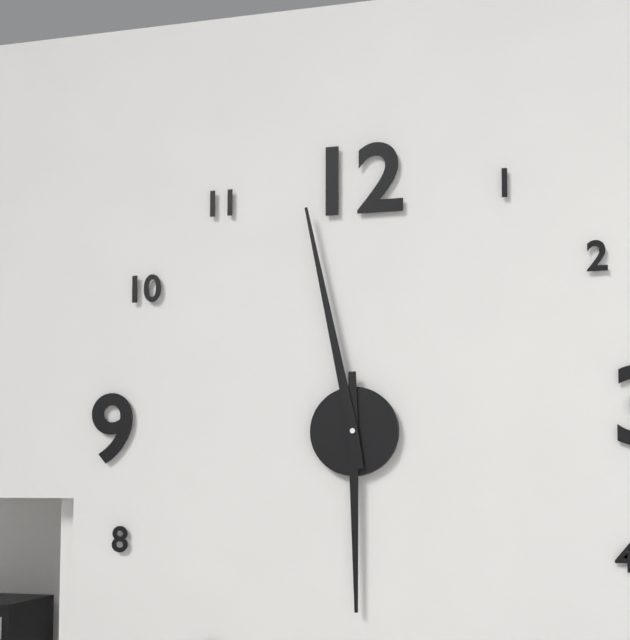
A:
5 h 58 min
